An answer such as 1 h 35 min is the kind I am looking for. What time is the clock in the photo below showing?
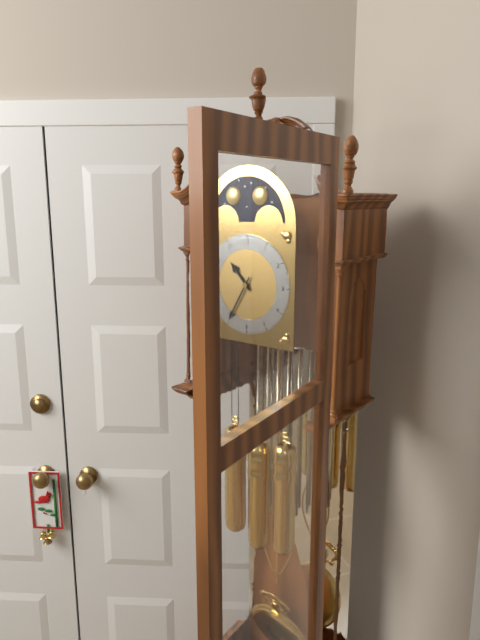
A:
10 h 35 min
